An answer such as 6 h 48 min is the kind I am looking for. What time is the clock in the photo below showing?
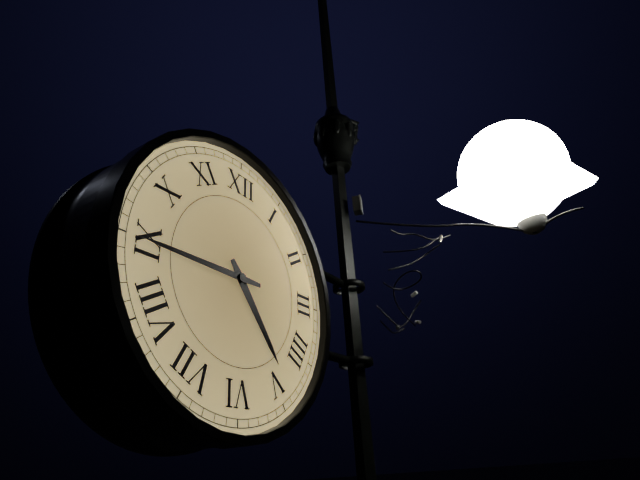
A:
4 h 45 min
